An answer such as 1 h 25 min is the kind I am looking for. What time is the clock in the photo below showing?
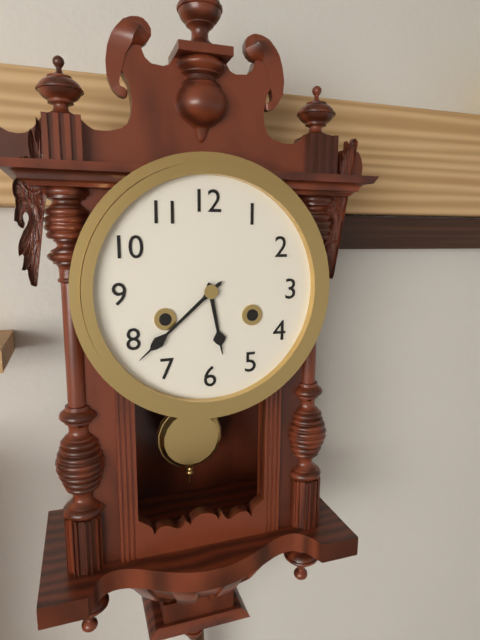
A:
5 h 38 min
